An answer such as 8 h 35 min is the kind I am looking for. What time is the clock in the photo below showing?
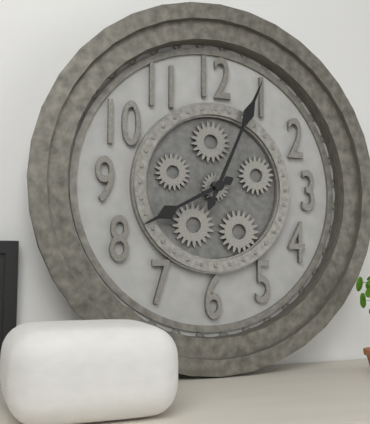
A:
8 h 04 min
